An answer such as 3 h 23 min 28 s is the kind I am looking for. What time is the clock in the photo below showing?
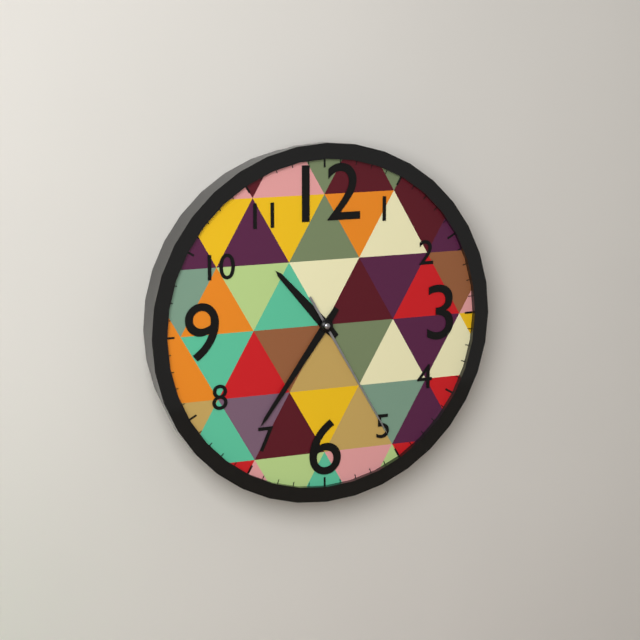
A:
10 h 36 min 25 s
